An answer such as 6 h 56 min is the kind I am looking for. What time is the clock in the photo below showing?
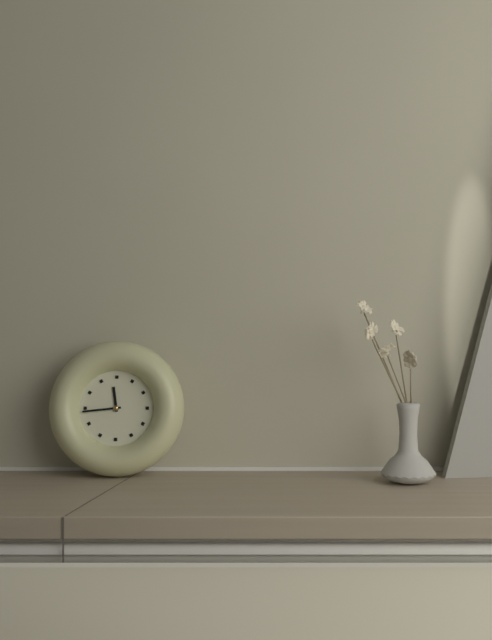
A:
11 h 44 min
